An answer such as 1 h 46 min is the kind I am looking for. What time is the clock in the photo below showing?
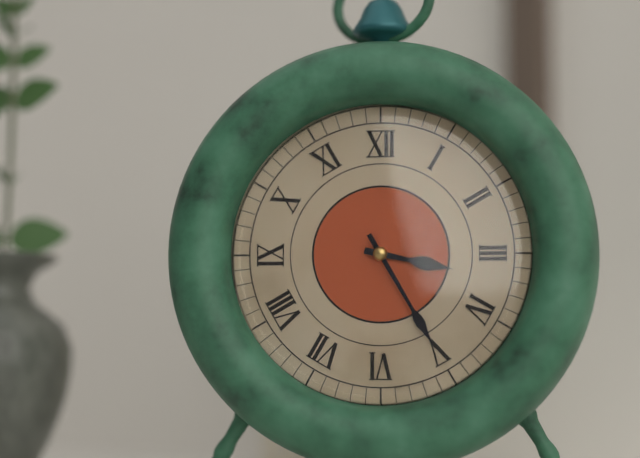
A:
3 h 25 min
